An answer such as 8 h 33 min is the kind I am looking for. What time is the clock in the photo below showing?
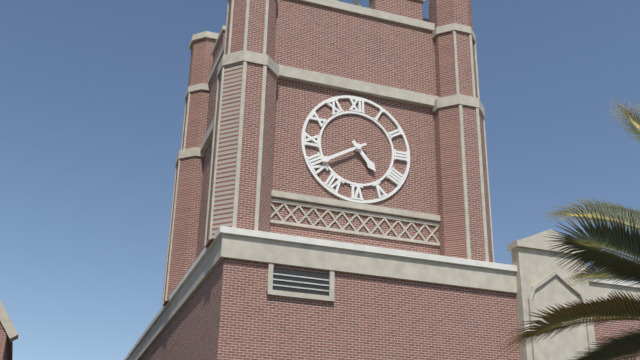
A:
4 h 40 min
